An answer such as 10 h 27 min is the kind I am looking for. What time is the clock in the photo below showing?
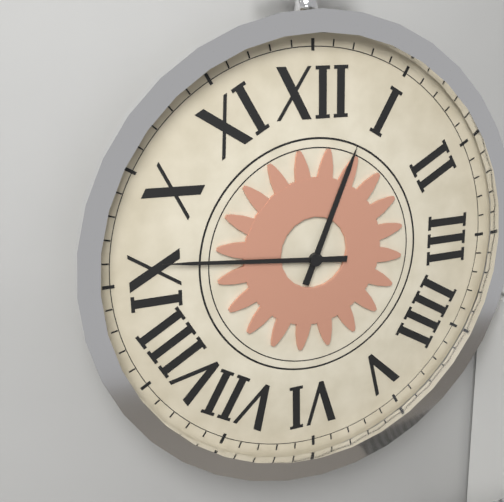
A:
12 h 46 min
